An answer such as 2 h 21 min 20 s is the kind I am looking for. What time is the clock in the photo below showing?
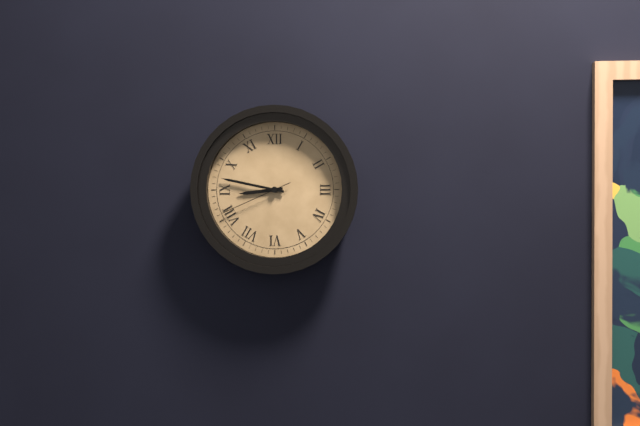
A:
8 h 47 min 41 s
